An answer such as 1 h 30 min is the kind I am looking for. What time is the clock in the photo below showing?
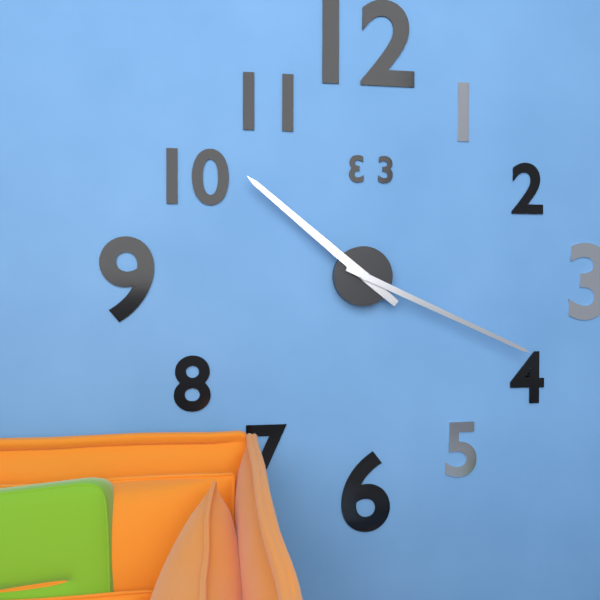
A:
10 h 19 min
